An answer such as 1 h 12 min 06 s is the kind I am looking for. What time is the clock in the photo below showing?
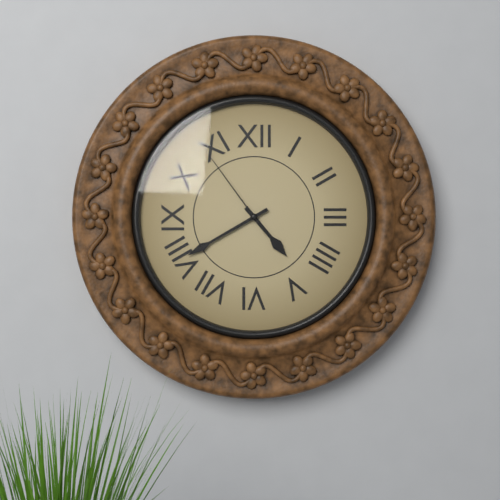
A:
4 h 40 min 54 s
